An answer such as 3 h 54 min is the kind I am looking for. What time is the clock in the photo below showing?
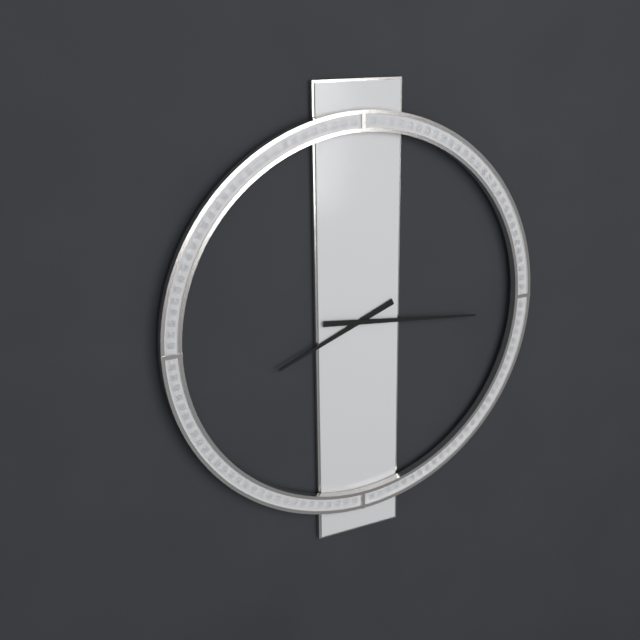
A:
8 h 16 min
